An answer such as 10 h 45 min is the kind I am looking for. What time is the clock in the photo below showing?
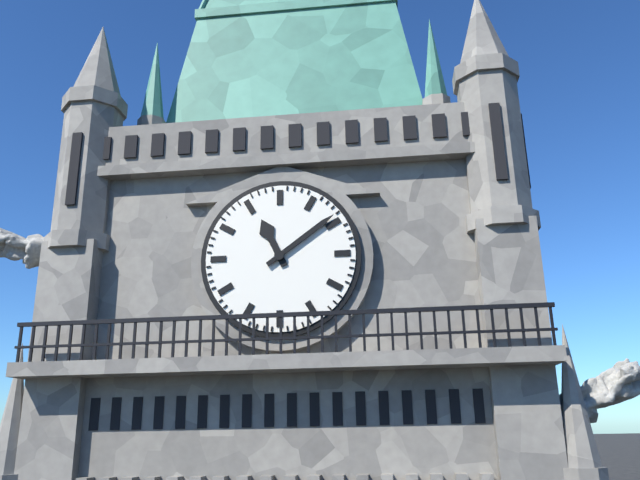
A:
11 h 09 min
